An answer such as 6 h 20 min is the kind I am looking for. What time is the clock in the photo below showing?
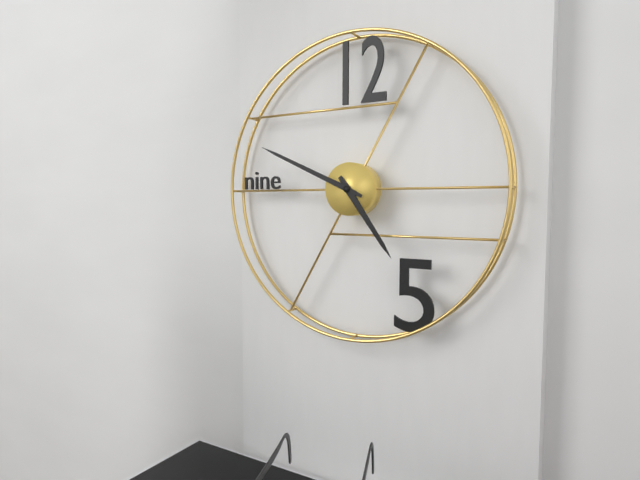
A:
4 h 49 min
